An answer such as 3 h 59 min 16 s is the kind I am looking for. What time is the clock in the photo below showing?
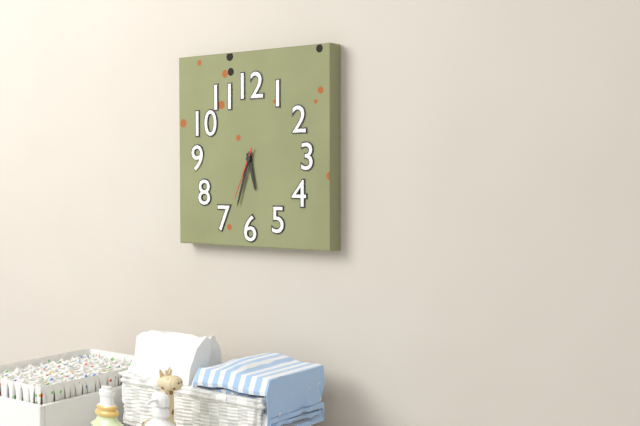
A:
5 h 33 min 34 s
